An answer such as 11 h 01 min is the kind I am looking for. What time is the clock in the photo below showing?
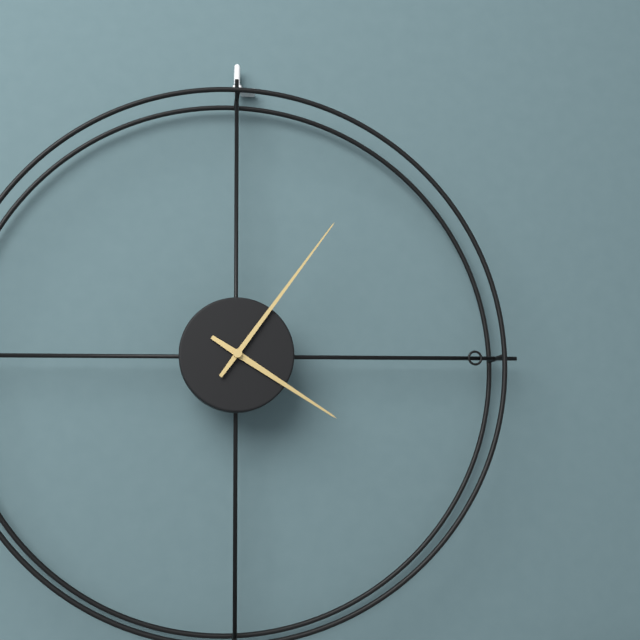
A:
4 h 06 min
